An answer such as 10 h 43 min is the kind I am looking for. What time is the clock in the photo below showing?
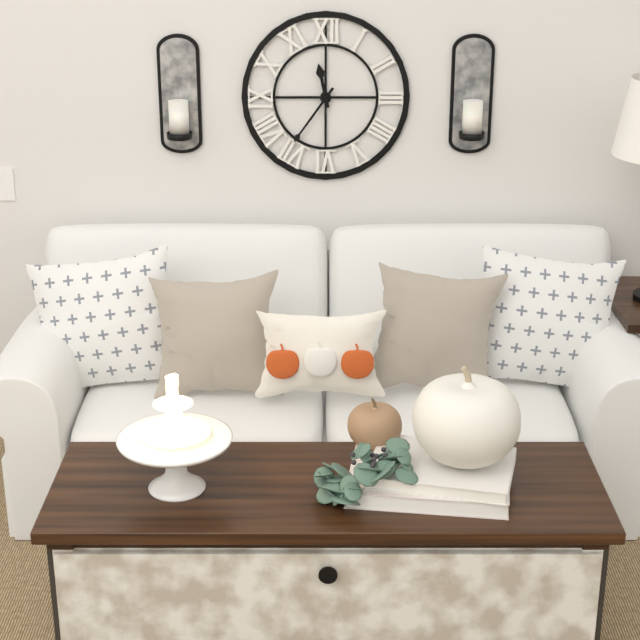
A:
11 h 36 min
